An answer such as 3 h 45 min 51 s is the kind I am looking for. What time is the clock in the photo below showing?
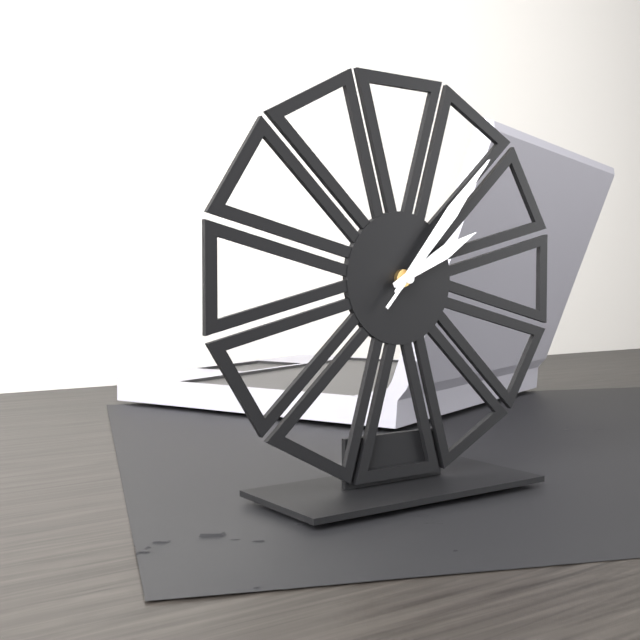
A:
2 h 07 min 07 s
